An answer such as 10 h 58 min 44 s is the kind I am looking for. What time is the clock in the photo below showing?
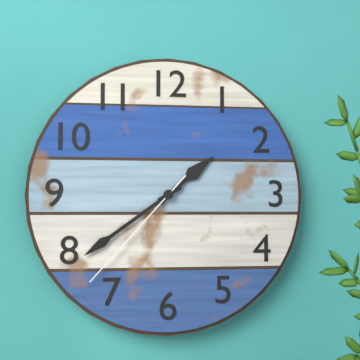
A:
1 h 39 min 37 s
